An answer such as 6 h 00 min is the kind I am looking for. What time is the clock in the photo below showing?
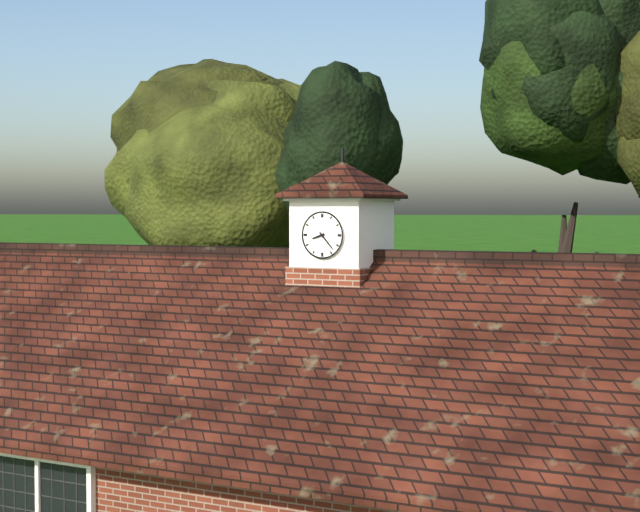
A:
8 h 23 min
